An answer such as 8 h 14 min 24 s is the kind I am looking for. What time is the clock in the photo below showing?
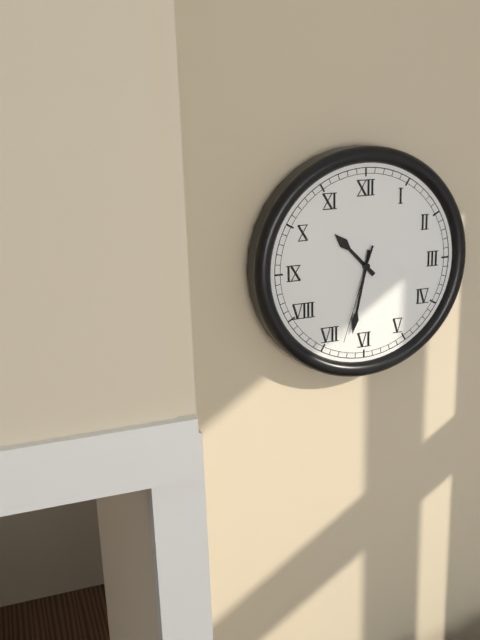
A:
10 h 32 min 33 s
